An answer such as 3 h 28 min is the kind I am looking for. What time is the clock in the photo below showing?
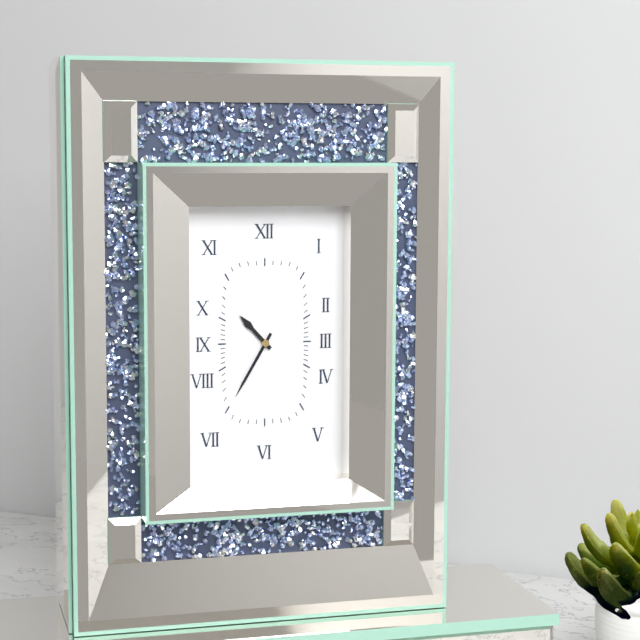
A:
10 h 35 min
